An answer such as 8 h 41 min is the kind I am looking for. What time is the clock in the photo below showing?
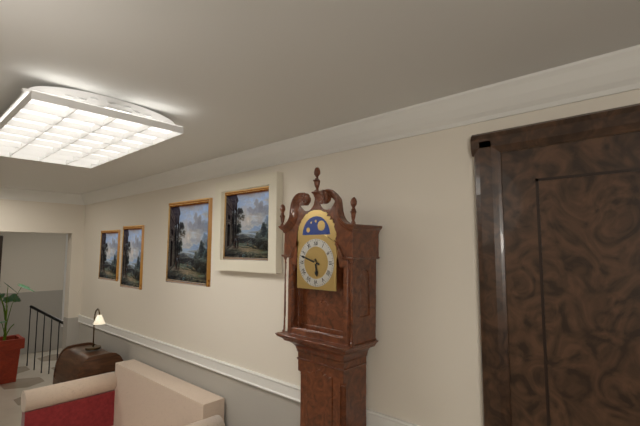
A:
5 h 48 min
